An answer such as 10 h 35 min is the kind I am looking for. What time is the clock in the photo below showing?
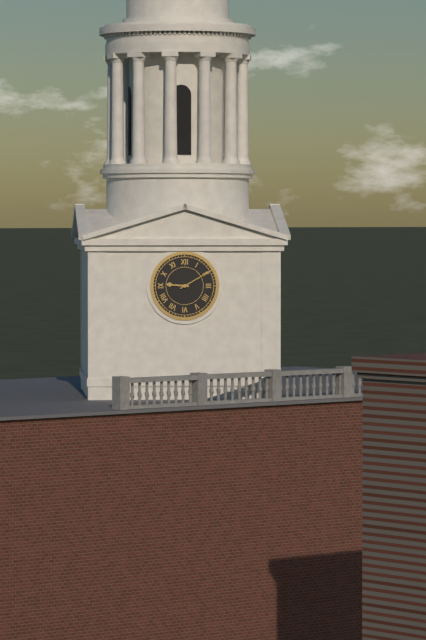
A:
9 h 10 min
